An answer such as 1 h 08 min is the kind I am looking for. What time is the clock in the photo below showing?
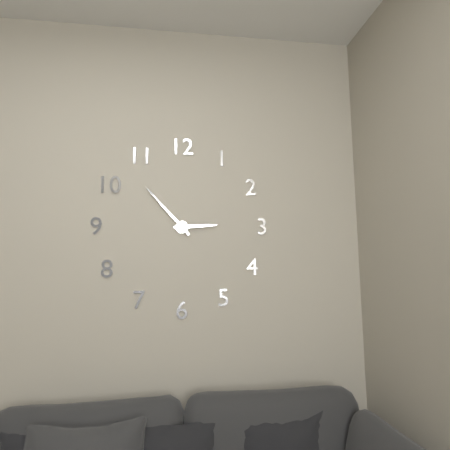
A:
2 h 53 min
